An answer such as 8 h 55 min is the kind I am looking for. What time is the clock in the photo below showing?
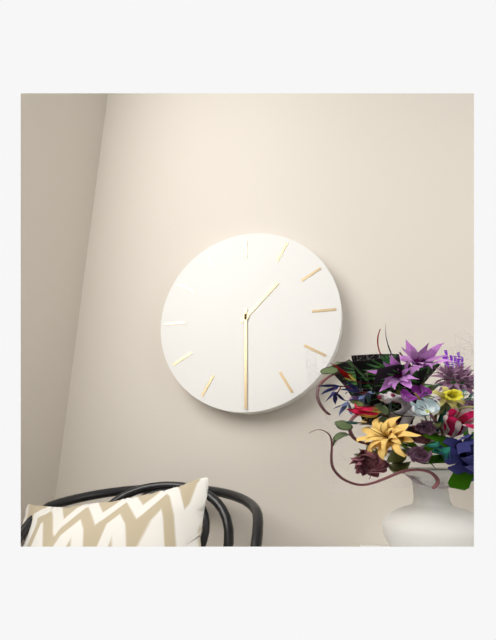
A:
1 h 30 min
